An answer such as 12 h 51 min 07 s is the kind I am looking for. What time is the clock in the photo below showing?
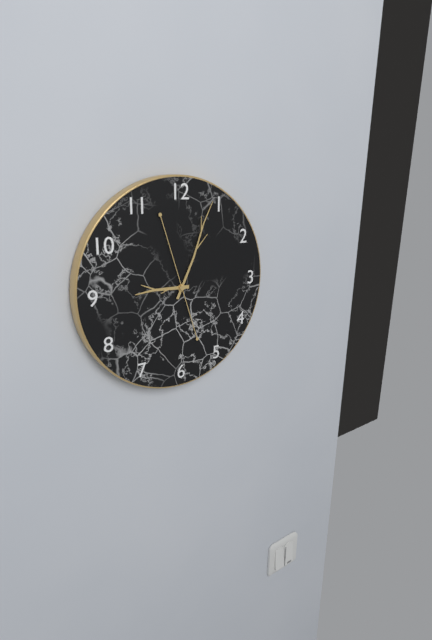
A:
9 h 04 min 57 s
